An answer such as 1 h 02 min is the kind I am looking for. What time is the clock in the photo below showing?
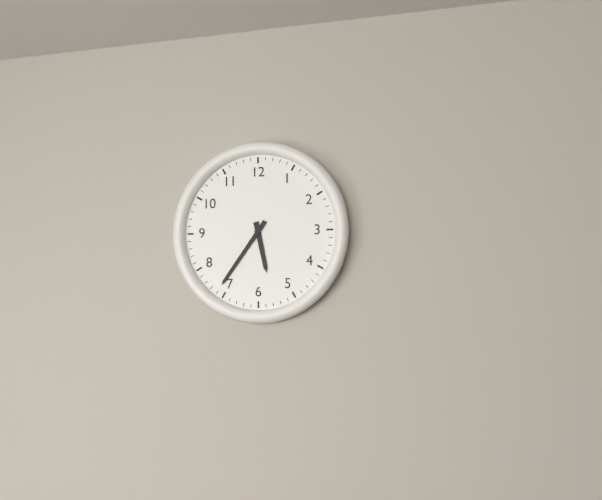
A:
5 h 36 min
